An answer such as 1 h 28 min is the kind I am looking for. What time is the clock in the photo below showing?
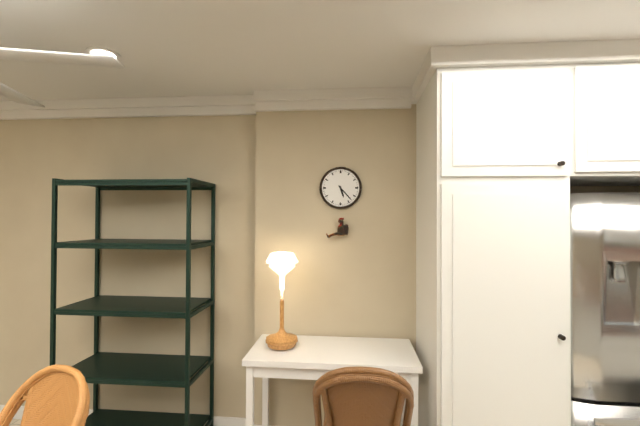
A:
5 h 23 min
